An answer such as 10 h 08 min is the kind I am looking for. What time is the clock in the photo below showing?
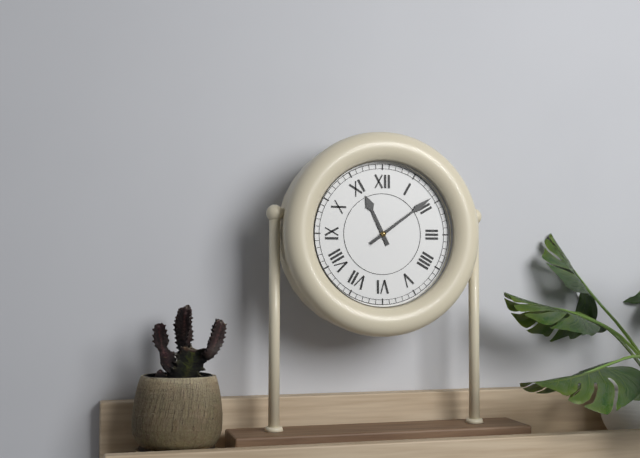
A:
11 h 09 min
